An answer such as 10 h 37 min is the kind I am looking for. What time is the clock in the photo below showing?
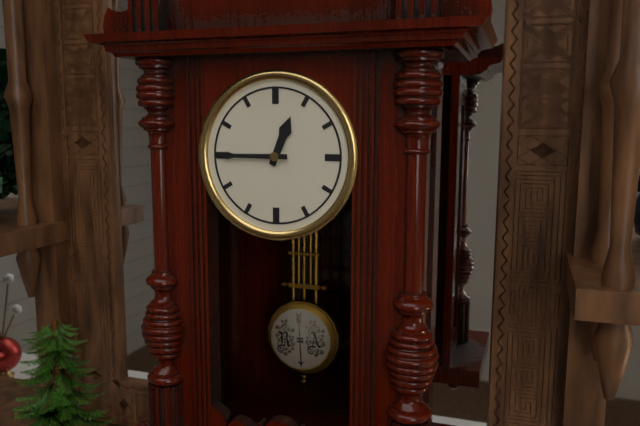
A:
12 h 45 min
